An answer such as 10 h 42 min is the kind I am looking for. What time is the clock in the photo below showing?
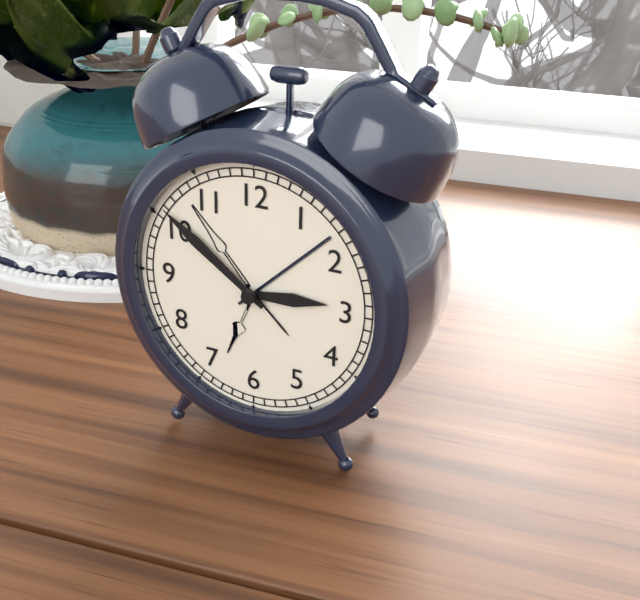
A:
2 h 51 min
